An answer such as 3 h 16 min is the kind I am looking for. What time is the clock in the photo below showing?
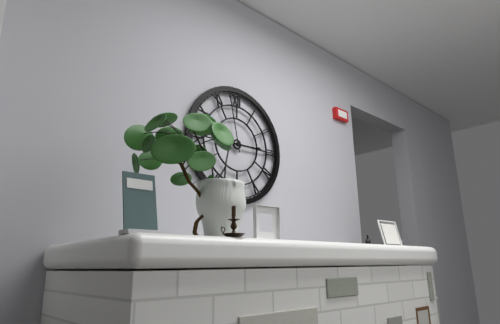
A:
2 h 58 min
